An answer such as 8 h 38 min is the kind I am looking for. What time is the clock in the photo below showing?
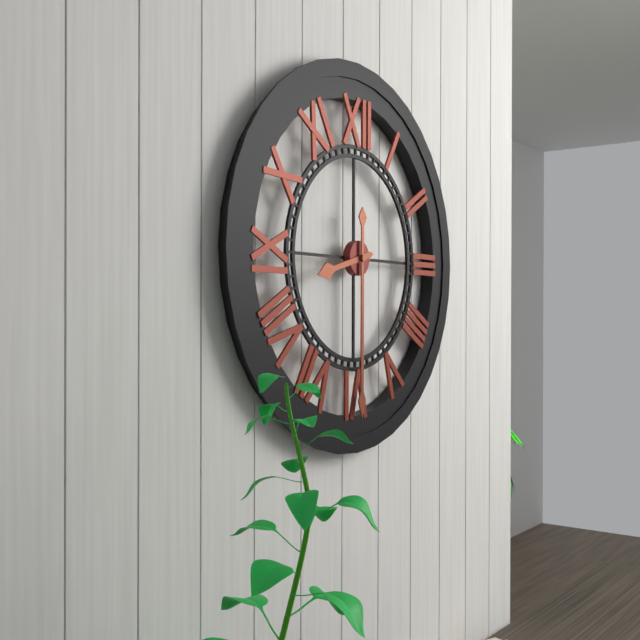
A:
8 h 30 min
